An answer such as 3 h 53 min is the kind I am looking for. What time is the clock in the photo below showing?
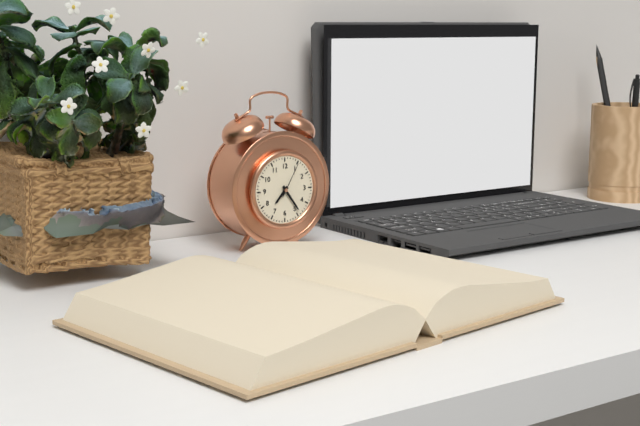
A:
7 h 24 min
